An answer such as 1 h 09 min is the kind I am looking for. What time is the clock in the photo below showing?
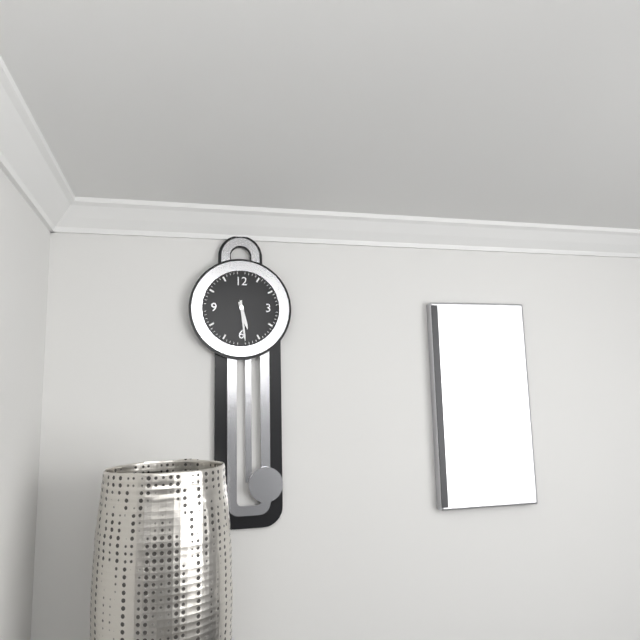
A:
5 h 29 min
